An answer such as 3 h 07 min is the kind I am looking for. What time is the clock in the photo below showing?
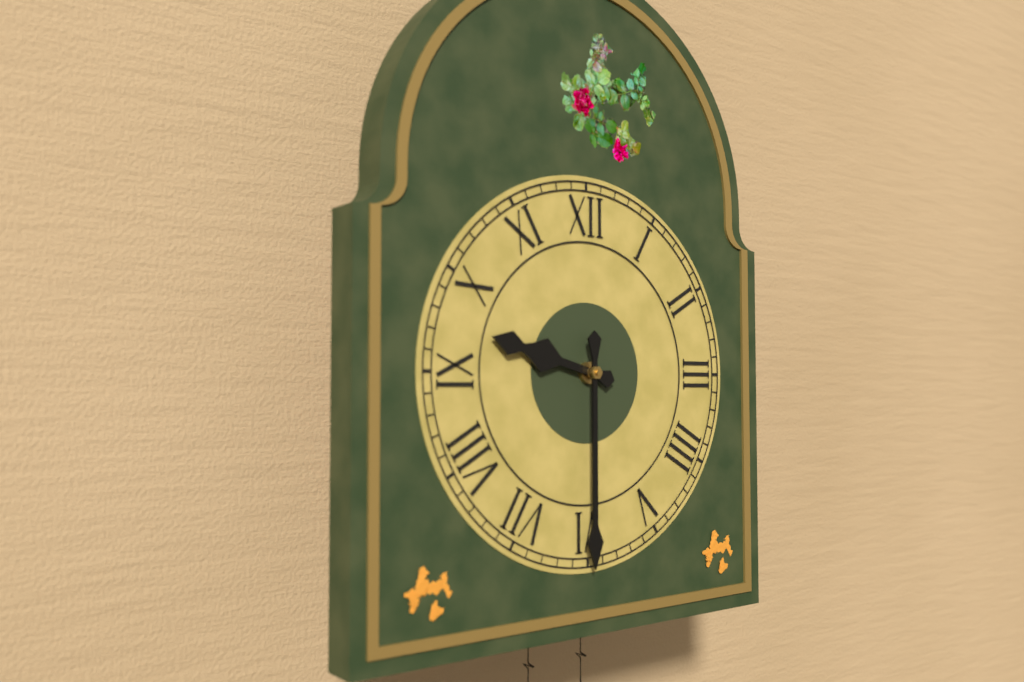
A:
9 h 30 min
